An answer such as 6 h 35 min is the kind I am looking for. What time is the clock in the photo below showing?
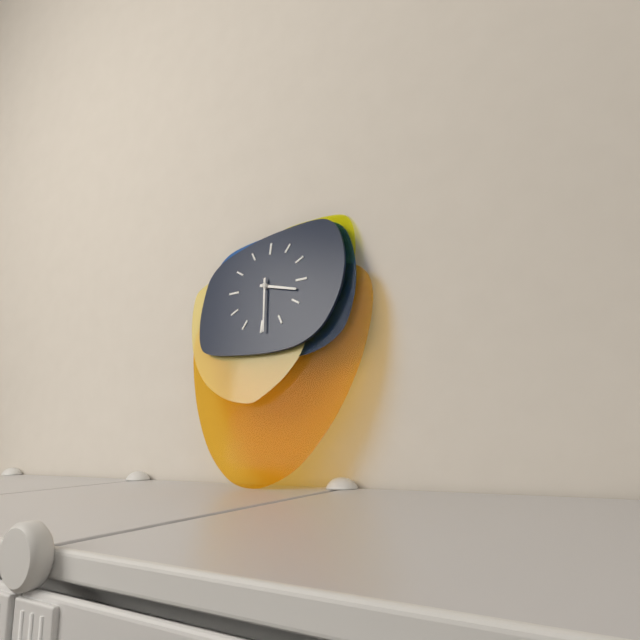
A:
3 h 29 min
